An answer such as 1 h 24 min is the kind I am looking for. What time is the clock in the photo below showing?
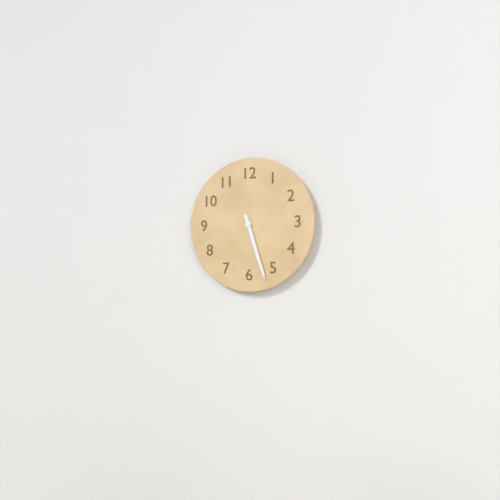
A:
5 h 27 min
